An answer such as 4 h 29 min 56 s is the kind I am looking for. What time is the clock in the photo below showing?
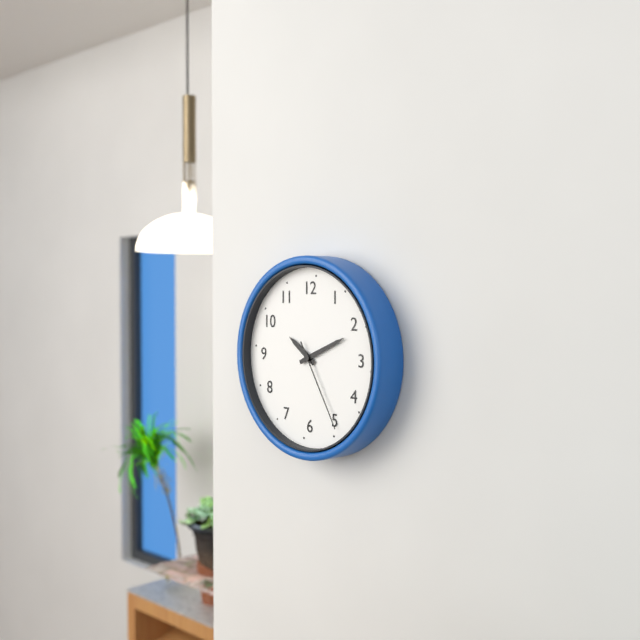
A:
10 h 11 min 25 s
